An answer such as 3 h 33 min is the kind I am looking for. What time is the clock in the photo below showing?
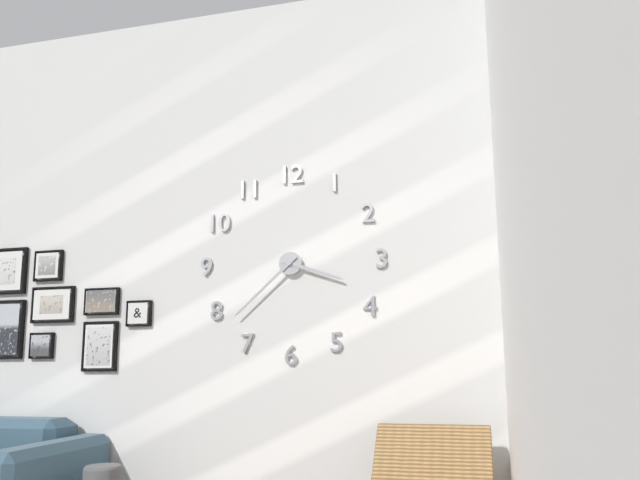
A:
3 h 38 min
